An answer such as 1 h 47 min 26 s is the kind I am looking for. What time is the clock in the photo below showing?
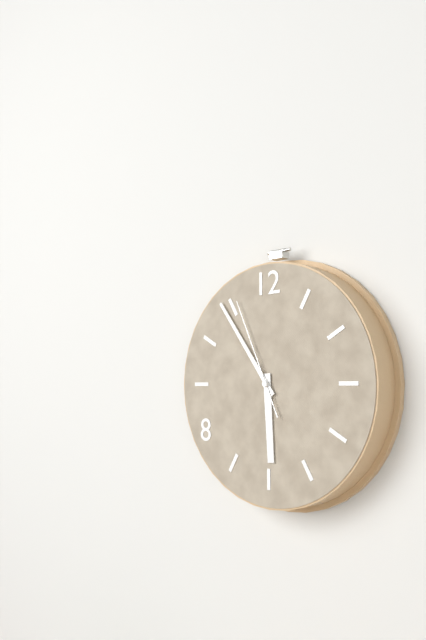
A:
5 h 54 min 56 s
